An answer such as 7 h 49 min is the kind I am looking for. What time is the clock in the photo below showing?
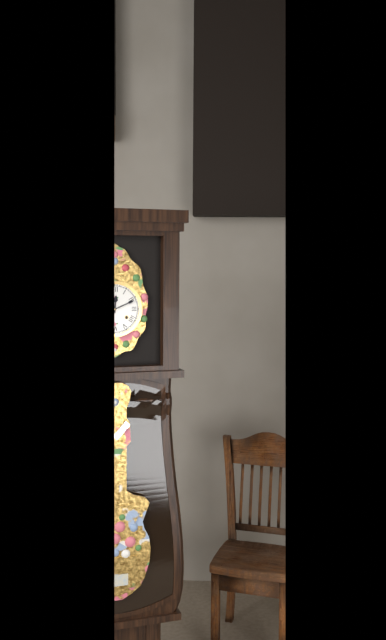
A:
12 h 11 min
